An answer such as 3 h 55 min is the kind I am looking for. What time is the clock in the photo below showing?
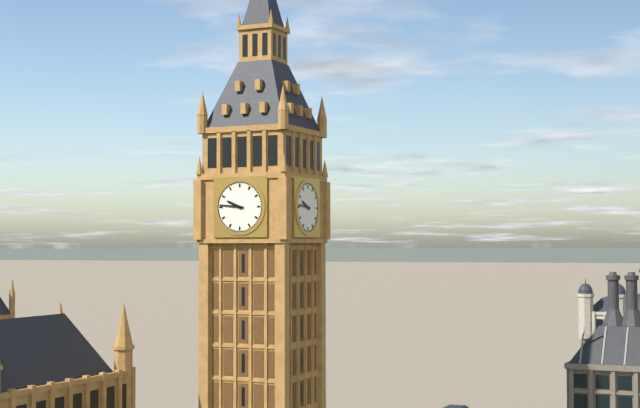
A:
9 h 46 min
